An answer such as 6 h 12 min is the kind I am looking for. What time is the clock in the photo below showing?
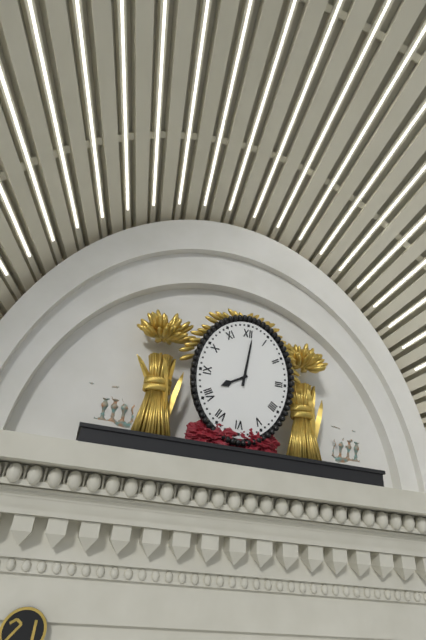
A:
8 h 01 min
